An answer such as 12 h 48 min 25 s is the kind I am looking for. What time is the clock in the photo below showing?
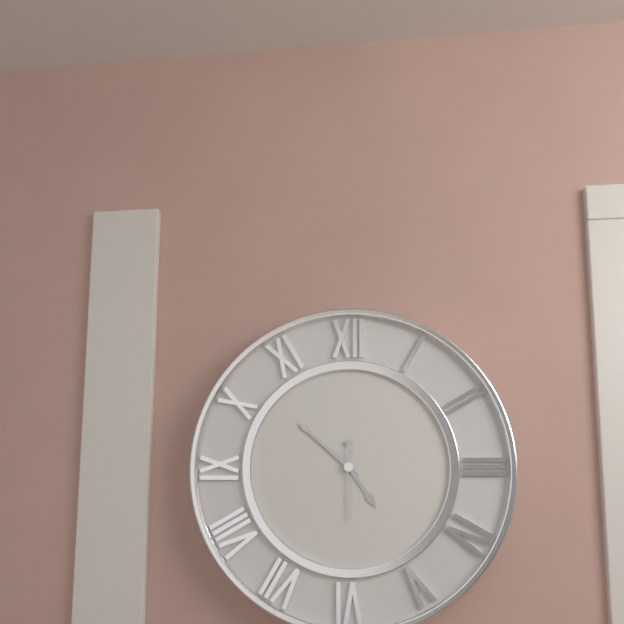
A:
4 h 52 min 30 s
